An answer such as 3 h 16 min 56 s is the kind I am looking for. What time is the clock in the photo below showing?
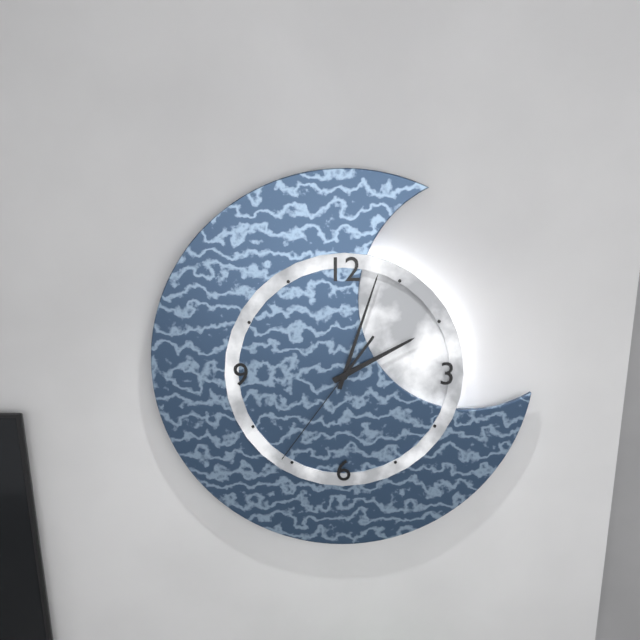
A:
2 h 03 min 36 s
